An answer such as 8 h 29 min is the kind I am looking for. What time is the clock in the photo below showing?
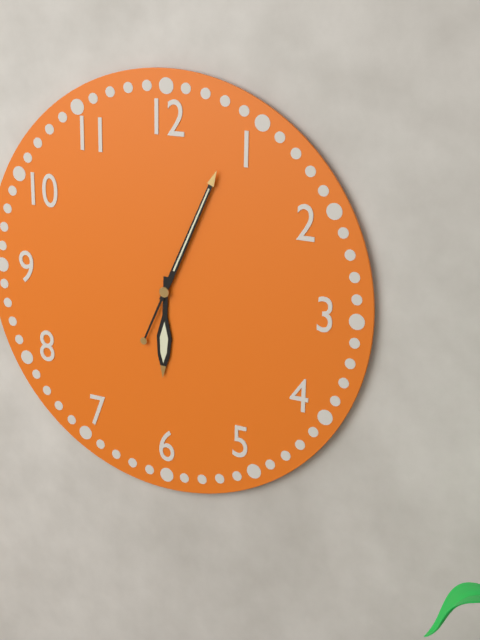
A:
6 h 04 min
